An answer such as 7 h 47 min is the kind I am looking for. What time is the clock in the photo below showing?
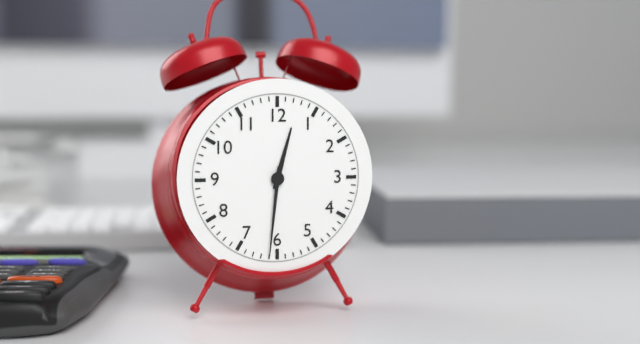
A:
12 h 31 min
